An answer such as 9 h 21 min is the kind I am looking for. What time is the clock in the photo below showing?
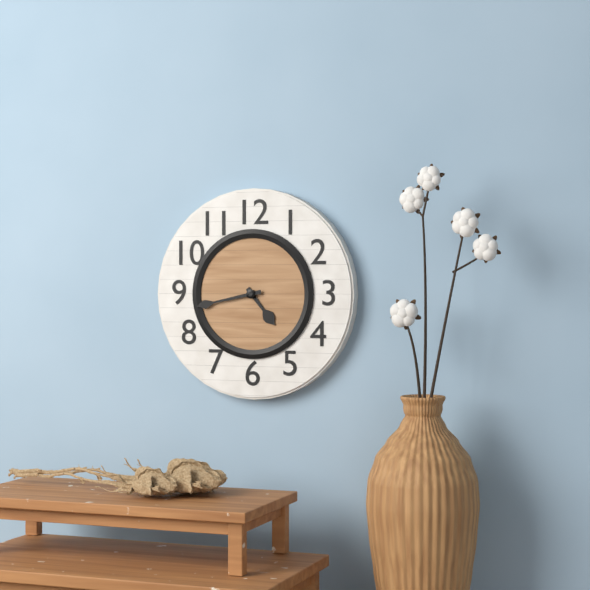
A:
4 h 43 min
